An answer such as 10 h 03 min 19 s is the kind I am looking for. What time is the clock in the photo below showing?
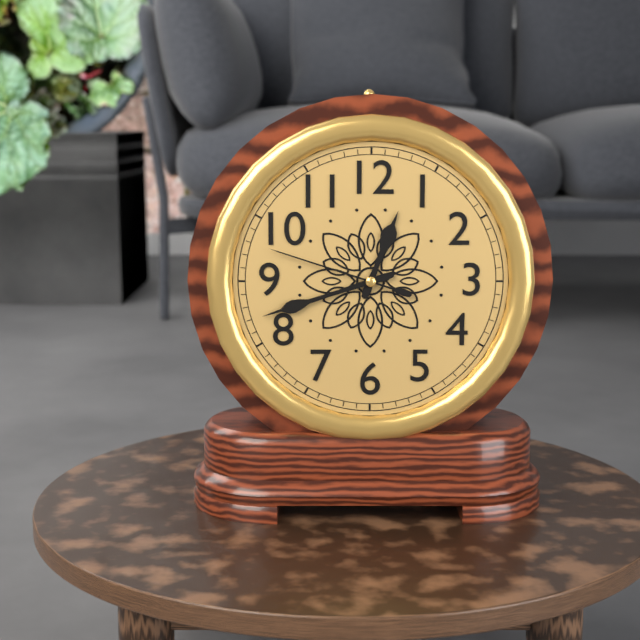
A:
12 h 42 min 48 s
